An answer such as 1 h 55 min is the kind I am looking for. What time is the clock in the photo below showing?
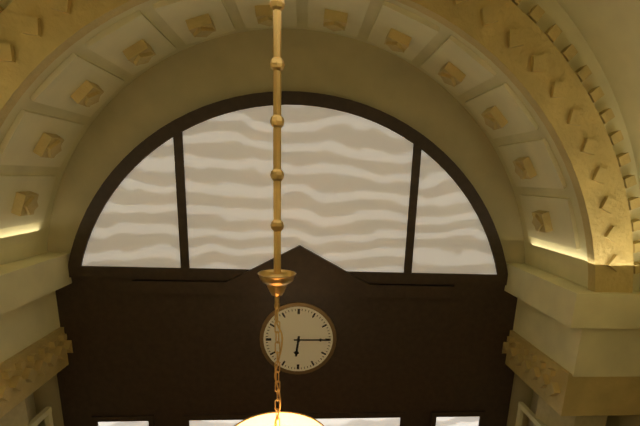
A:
6 h 15 min
